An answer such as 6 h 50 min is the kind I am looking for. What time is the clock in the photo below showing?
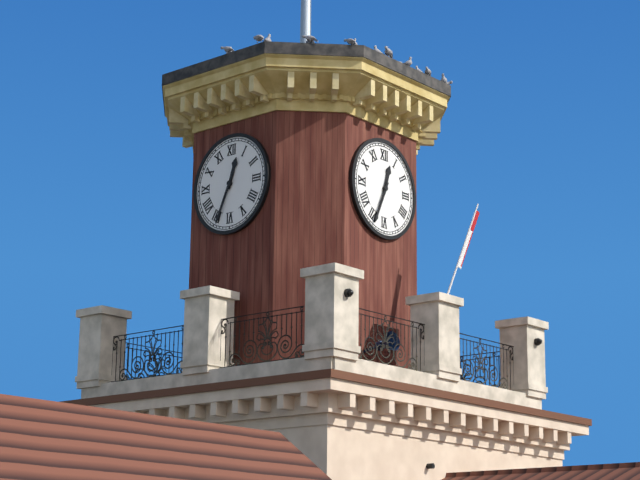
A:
12 h 34 min
